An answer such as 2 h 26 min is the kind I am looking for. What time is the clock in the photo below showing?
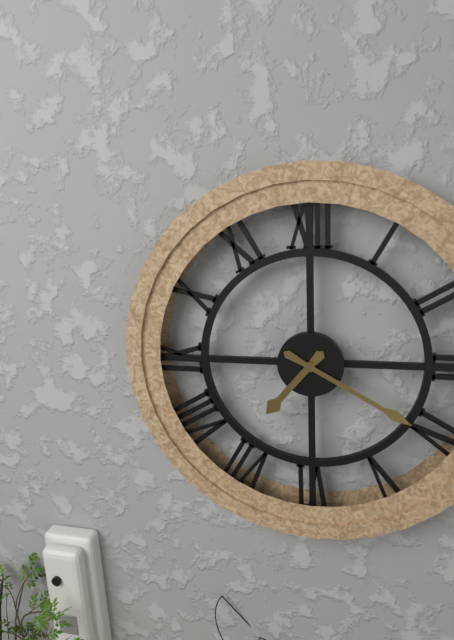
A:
7 h 20 min
